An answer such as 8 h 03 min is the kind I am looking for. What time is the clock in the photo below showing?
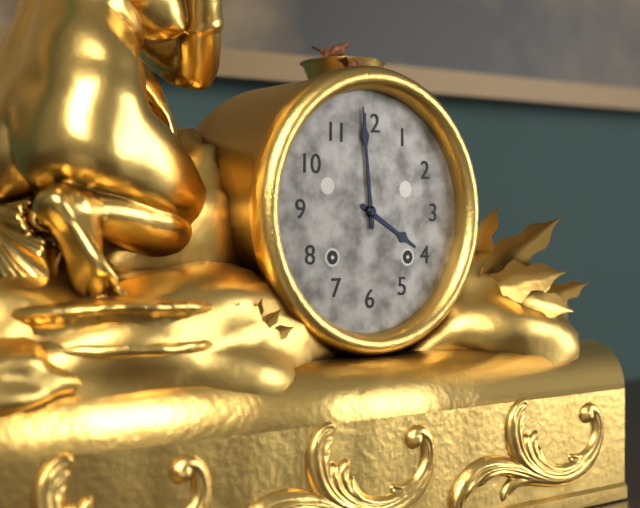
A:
3 h 59 min
